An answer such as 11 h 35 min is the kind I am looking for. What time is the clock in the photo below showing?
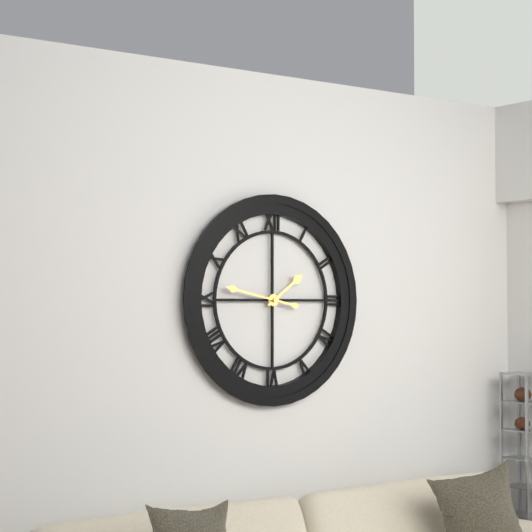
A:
1 h 47 min
